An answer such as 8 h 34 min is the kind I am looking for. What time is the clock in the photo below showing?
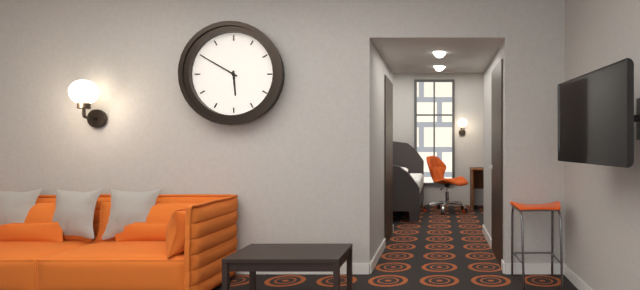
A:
5 h 50 min
